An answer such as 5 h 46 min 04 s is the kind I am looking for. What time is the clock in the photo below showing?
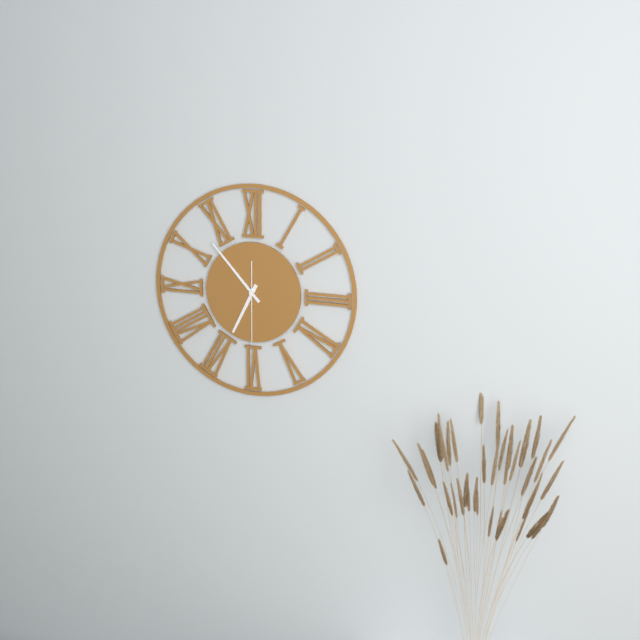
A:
6 h 53 min 30 s
